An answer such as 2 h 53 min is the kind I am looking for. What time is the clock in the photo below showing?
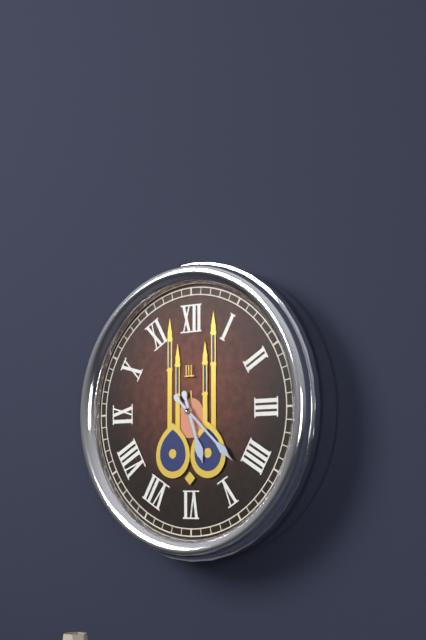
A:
5 h 22 min
